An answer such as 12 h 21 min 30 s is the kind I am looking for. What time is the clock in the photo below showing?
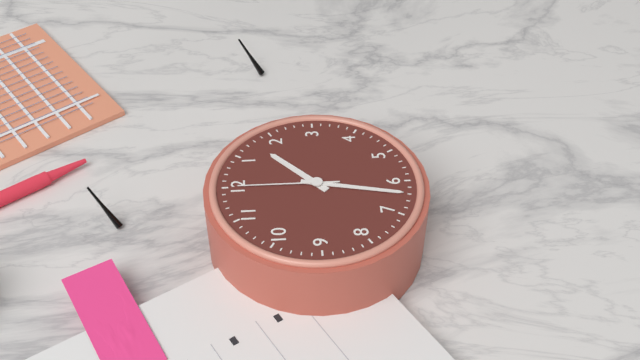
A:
1 h 32 min 00 s
